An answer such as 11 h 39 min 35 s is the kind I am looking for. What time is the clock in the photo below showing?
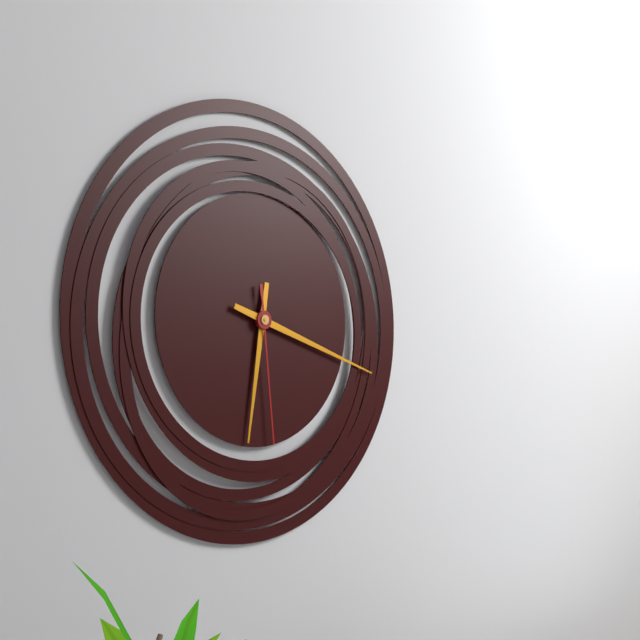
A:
6 h 18 min 29 s
